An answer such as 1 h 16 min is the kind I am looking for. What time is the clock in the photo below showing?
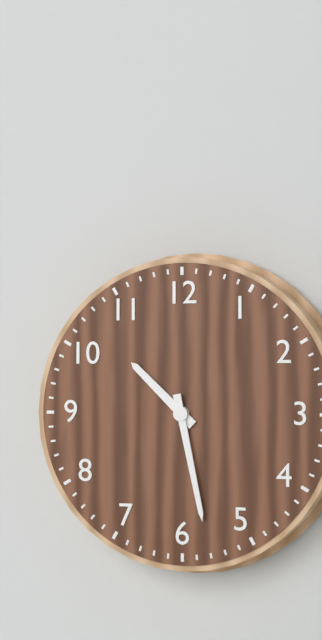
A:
10 h 28 min
